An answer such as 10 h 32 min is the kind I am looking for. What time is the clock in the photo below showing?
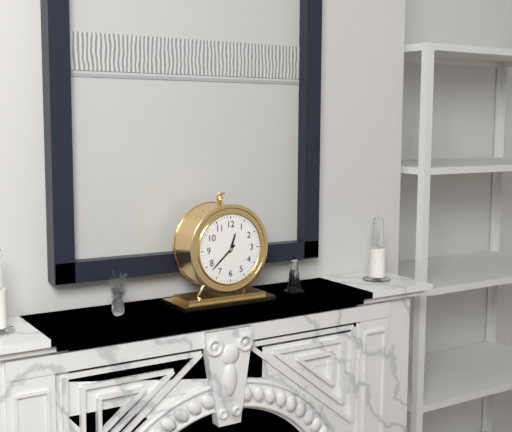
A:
12 h 38 min
